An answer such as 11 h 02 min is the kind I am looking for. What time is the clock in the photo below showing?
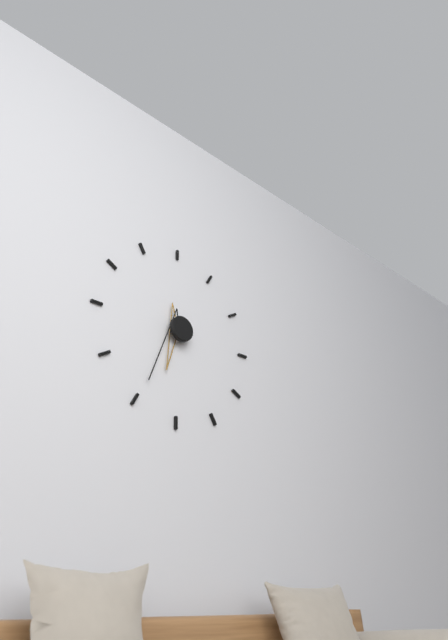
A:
6 h 35 min
